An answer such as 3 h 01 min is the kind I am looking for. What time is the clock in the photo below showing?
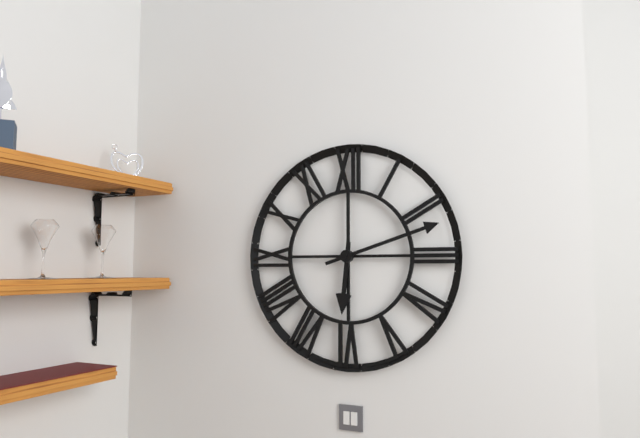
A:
6 h 12 min
